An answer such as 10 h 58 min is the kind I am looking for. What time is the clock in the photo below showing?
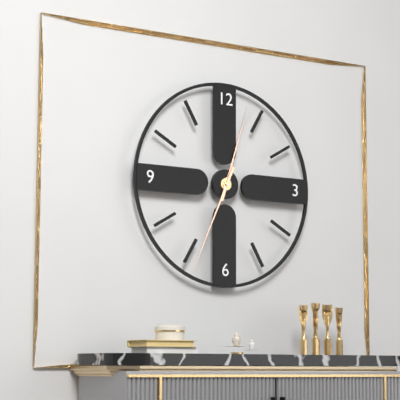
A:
12 h 34 min
